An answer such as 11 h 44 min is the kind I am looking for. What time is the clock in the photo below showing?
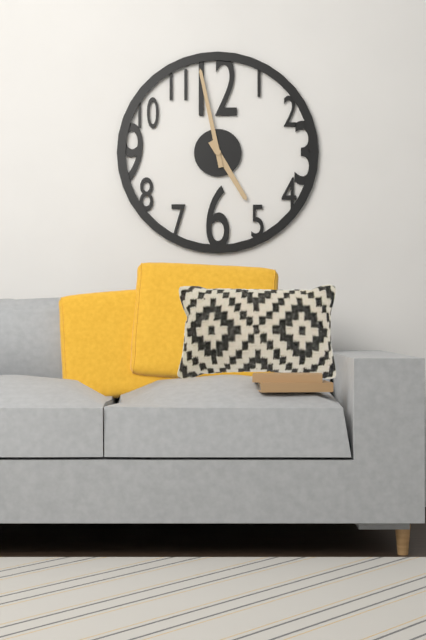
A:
4 h 58 min
